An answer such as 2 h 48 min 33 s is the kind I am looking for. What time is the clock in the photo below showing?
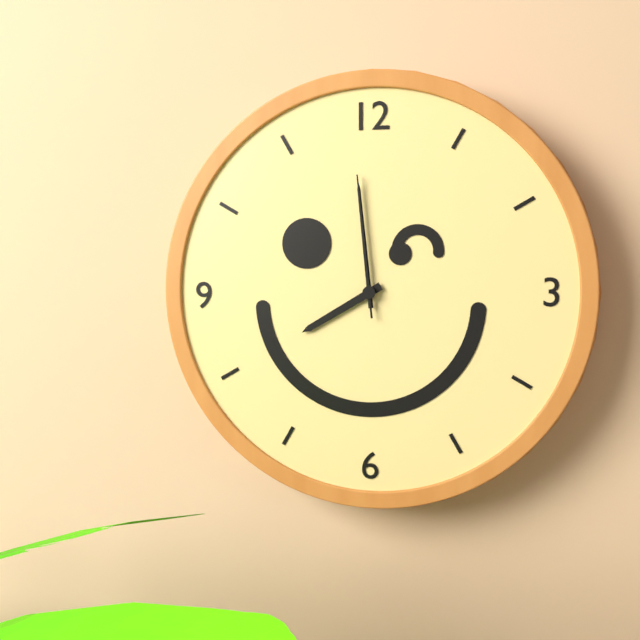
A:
7 h 59 min 59 s
